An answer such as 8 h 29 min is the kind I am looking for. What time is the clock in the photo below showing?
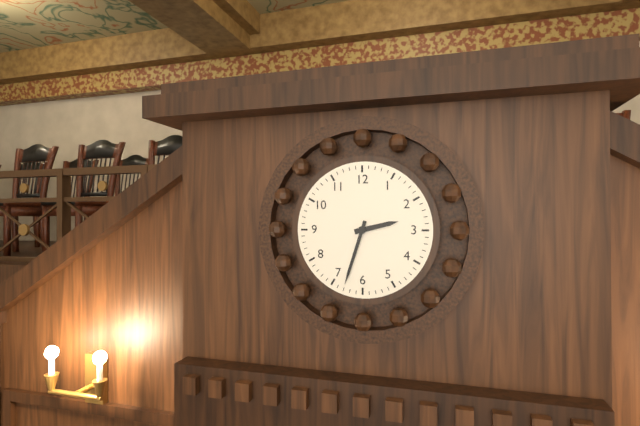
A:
2 h 33 min
